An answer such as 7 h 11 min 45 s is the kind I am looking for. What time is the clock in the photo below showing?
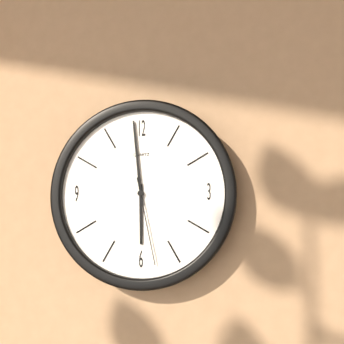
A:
5 h 59 min 28 s
